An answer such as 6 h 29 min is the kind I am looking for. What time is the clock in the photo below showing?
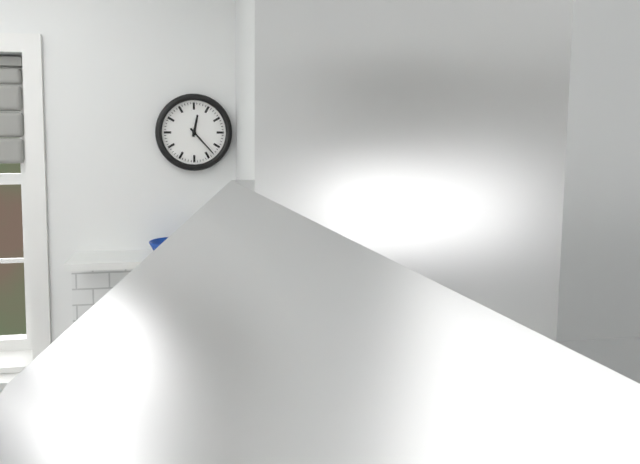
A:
12 h 23 min
